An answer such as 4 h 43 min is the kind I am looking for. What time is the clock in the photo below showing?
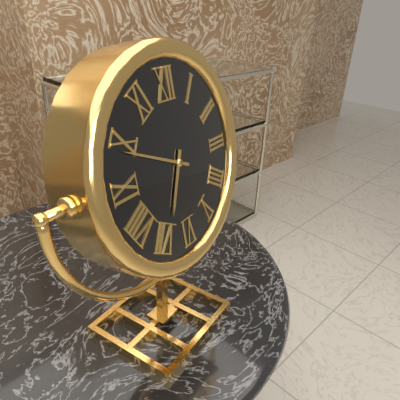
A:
6 h 49 min
